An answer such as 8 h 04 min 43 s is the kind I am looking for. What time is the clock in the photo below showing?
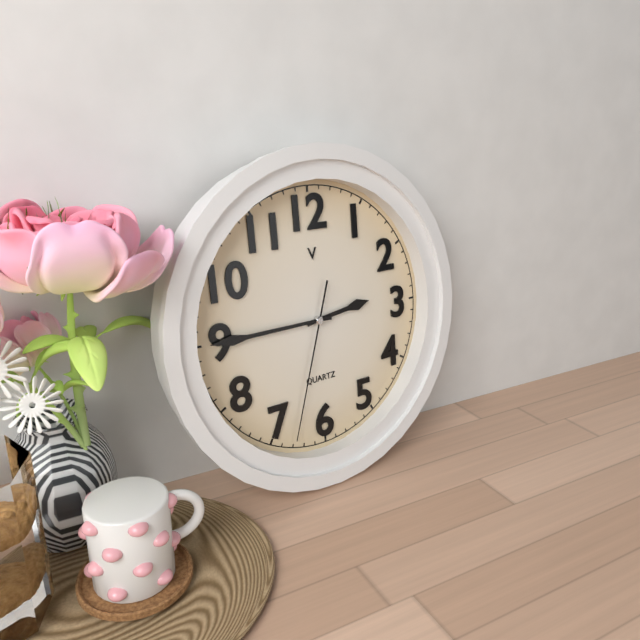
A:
2 h 45 min 33 s
